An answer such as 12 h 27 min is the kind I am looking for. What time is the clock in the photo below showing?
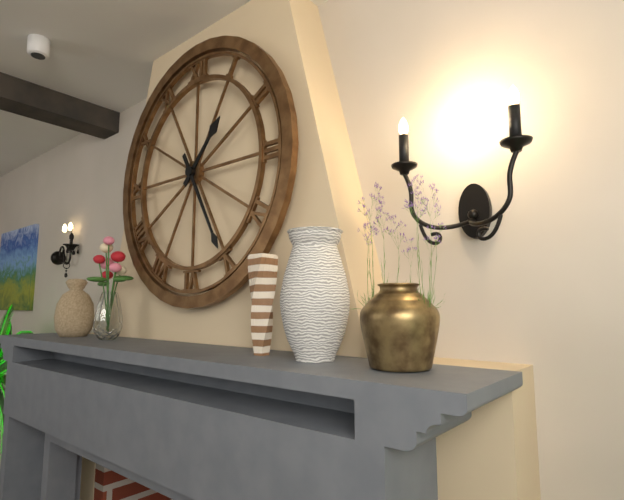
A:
1 h 25 min
